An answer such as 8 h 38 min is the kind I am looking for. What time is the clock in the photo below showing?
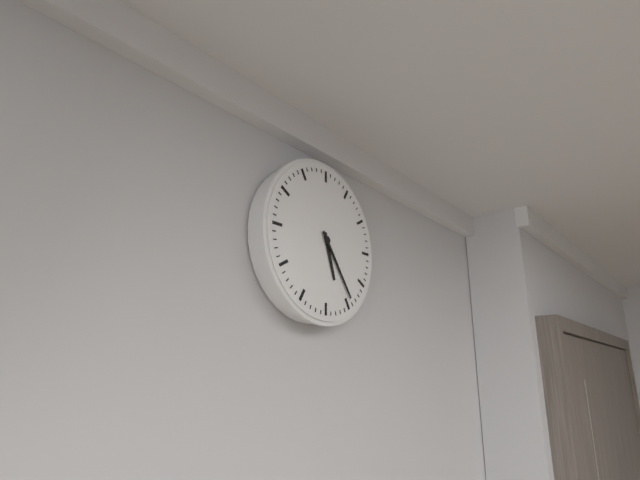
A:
5 h 24 min
